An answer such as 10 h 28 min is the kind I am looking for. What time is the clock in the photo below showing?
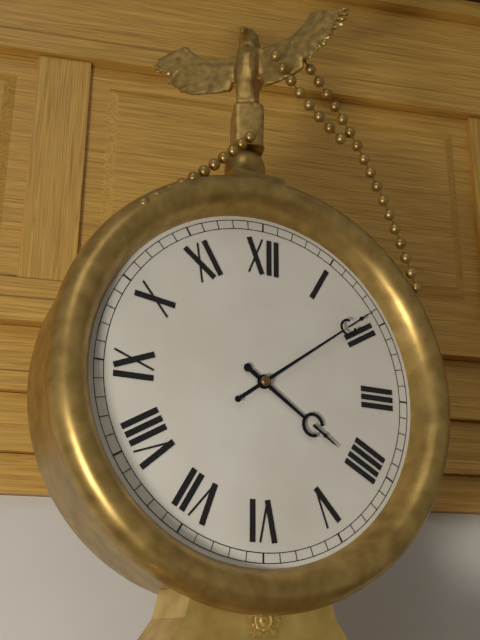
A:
4 h 09 min
